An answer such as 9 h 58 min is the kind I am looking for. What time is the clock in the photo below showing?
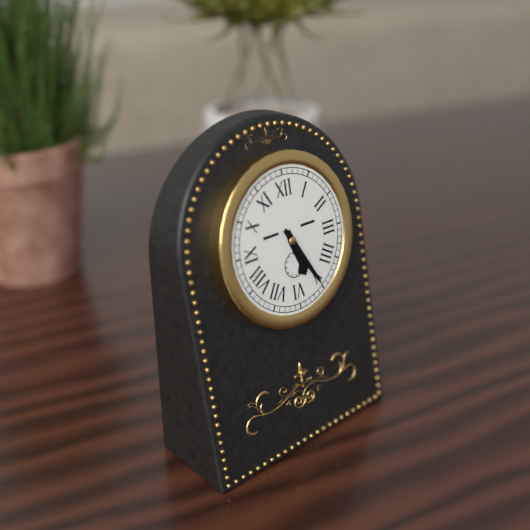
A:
5 h 25 min
